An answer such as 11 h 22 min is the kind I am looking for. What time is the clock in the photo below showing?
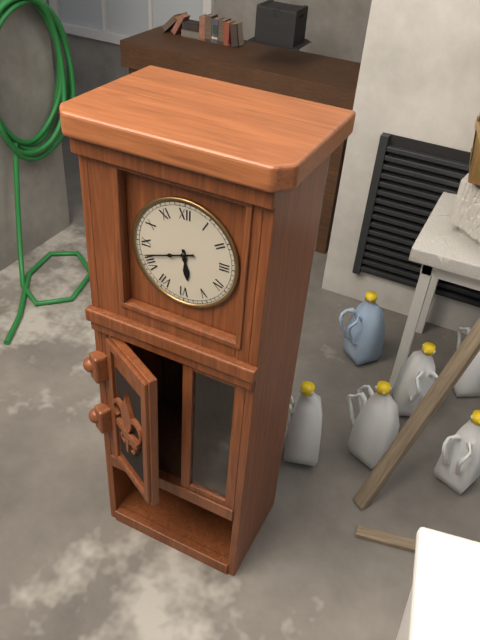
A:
5 h 42 min
